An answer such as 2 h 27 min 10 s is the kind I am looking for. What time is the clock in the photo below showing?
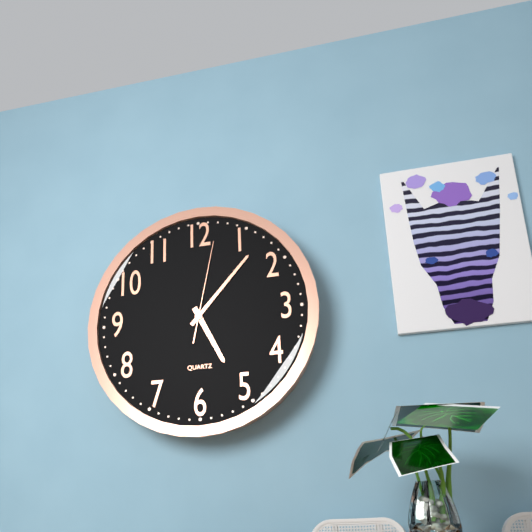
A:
5 h 07 min 02 s
